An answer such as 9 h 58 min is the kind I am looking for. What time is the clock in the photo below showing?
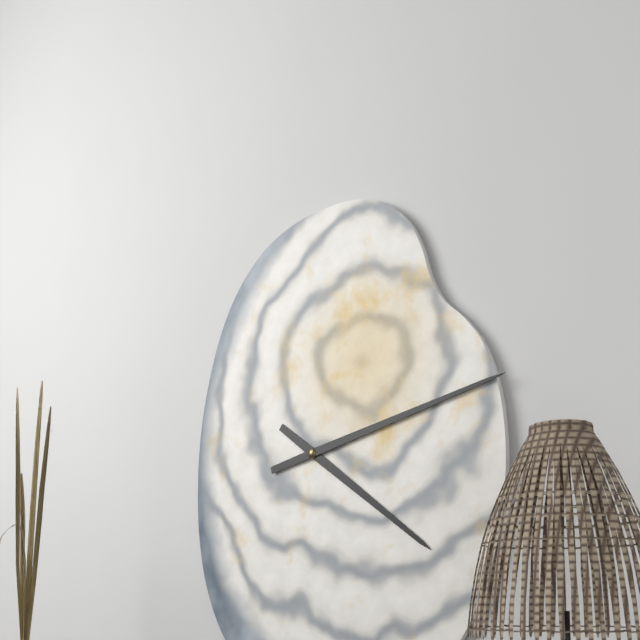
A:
4 h 13 min
